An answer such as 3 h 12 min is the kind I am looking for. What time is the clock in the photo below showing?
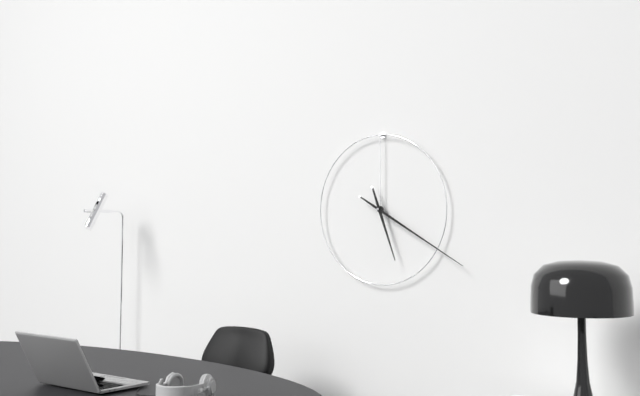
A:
5 h 20 min
